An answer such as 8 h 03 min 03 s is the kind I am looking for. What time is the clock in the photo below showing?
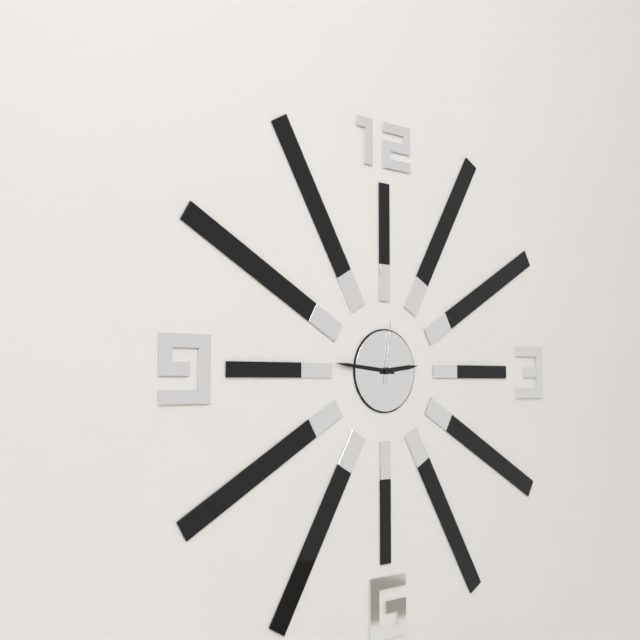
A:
2 h 46 min 01 s
